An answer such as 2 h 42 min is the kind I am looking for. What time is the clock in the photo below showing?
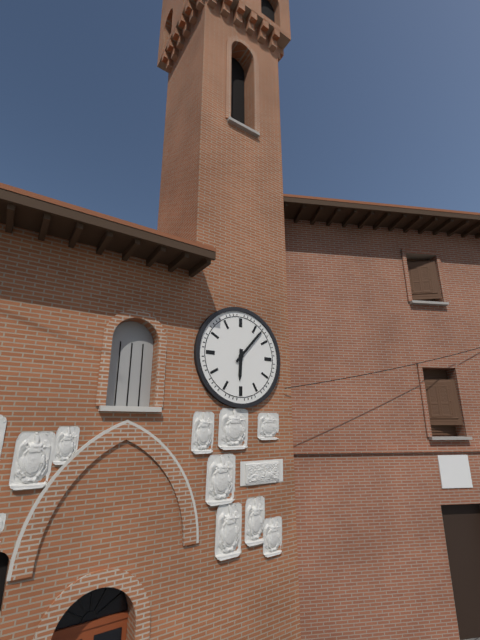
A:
6 h 07 min
